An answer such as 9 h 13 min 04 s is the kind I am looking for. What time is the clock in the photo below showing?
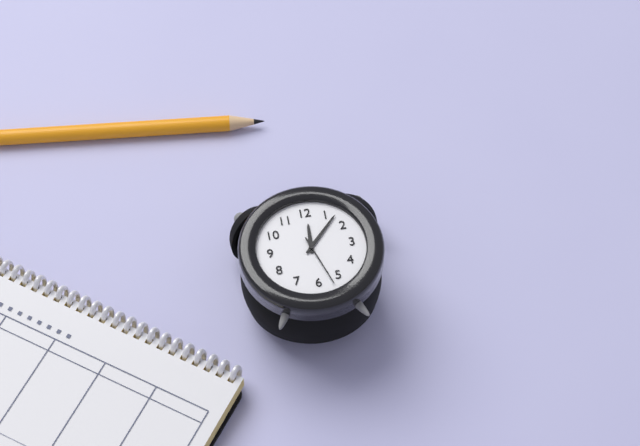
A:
12 h 07 min 27 s
